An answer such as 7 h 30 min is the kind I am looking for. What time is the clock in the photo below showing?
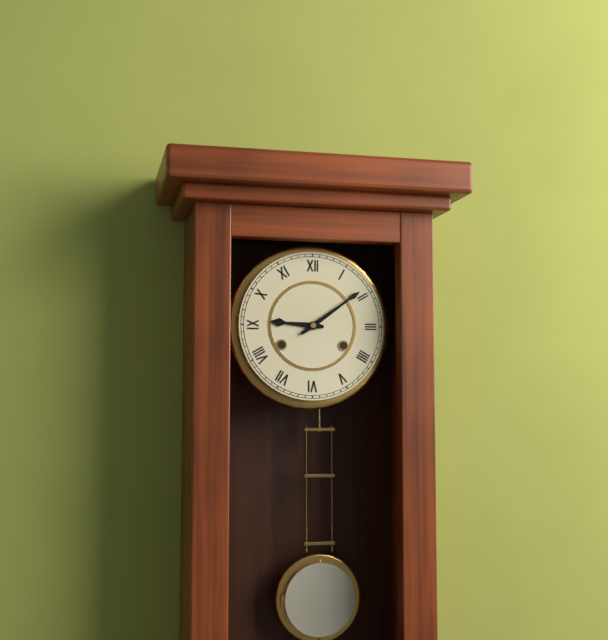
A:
9 h 09 min
